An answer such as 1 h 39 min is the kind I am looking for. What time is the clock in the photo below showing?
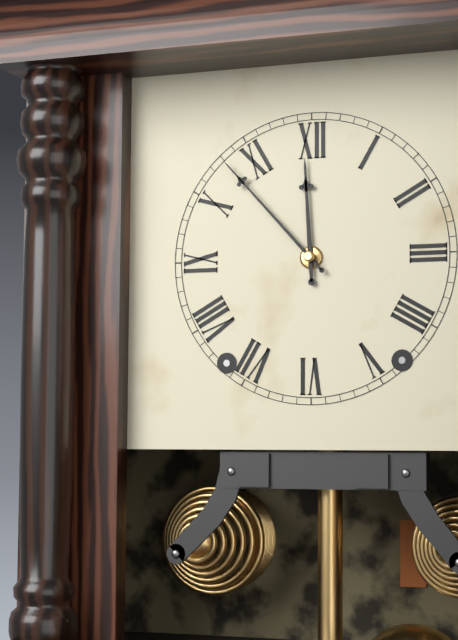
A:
11 h 53 min
